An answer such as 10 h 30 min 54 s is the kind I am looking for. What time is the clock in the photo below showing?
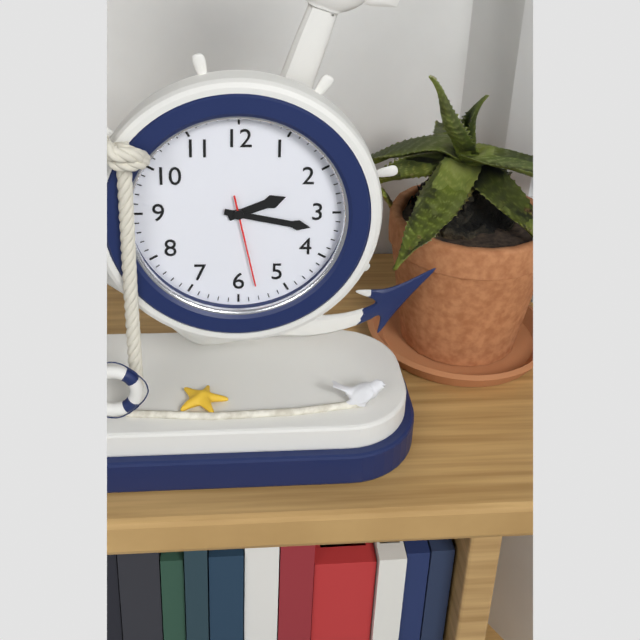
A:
2 h 17 min 28 s
